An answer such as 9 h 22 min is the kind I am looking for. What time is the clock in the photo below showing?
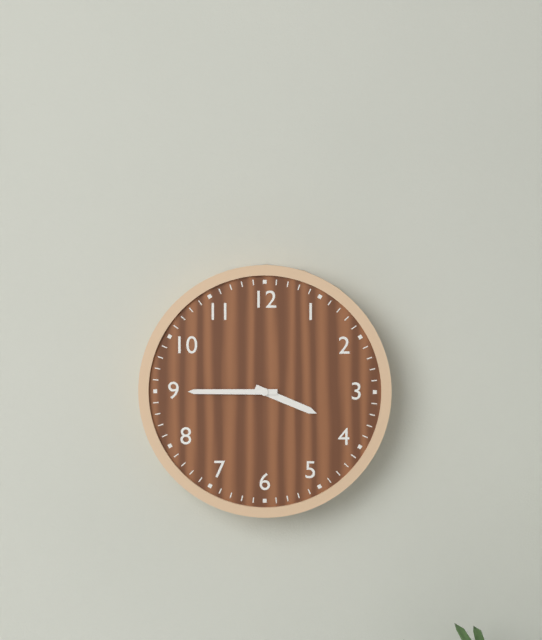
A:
3 h 45 min
